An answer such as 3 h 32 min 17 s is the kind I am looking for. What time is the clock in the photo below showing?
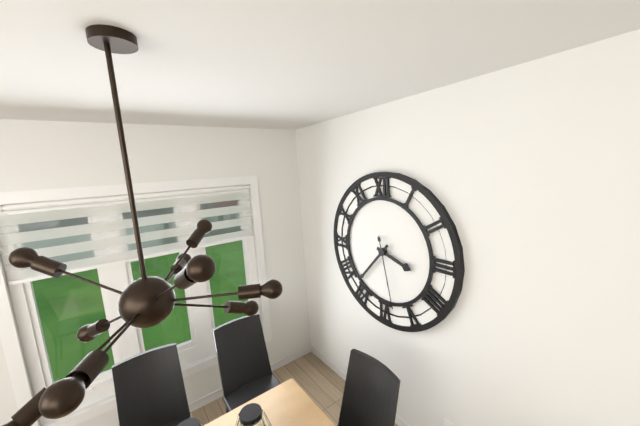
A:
3 h 37 min 28 s
